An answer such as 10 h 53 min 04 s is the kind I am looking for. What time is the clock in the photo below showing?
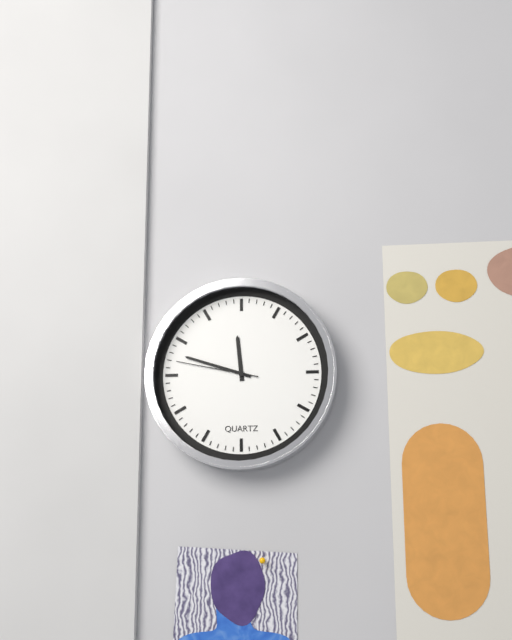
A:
11 h 48 min 47 s
